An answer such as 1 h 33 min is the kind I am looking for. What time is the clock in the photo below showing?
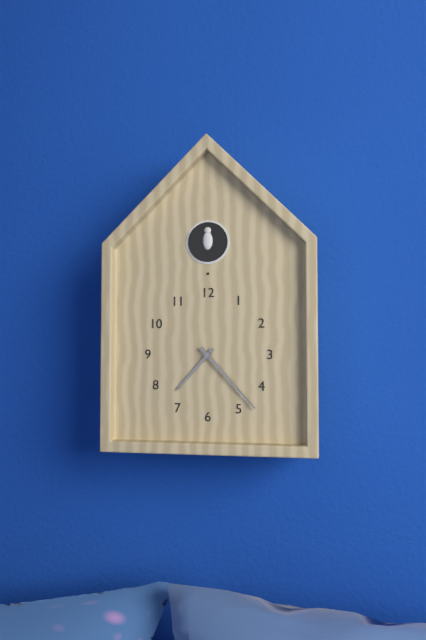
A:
7 h 23 min
